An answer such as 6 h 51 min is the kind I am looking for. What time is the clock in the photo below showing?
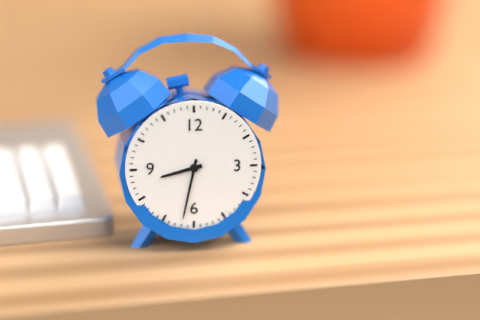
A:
8 h 32 min
